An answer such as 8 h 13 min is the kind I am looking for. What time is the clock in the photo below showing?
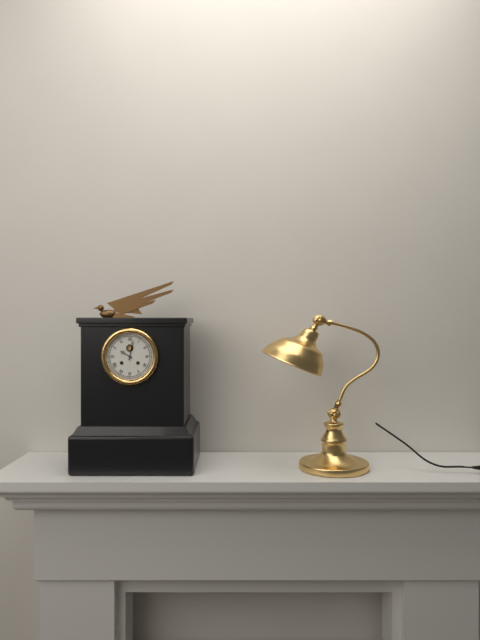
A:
10 h 02 min
